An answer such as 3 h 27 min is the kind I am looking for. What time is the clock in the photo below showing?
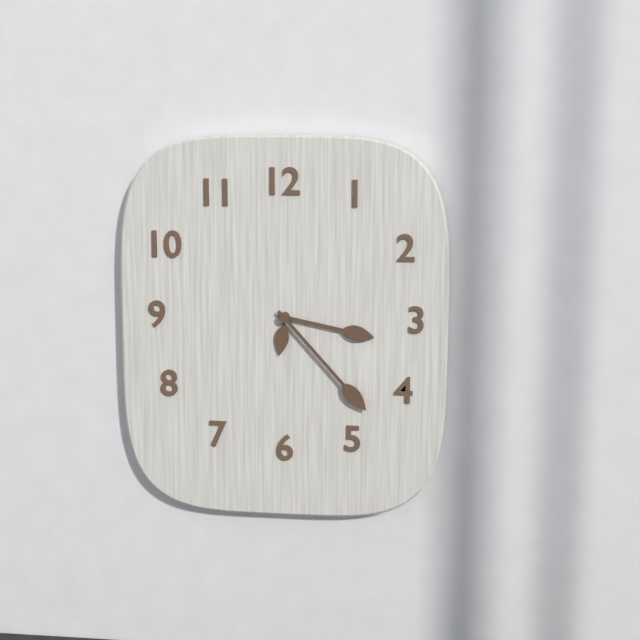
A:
3 h 23 min
